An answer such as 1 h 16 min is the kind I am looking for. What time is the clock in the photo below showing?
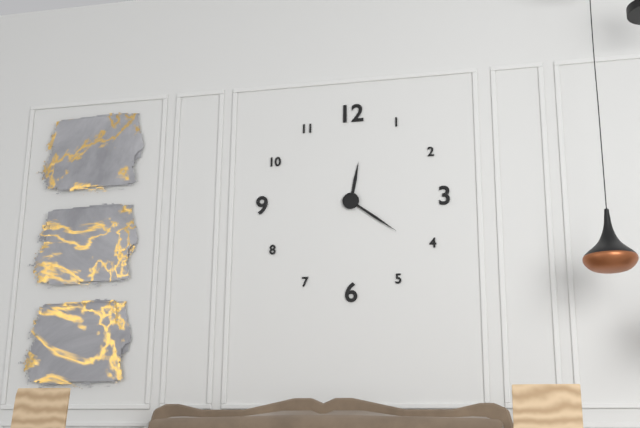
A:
12 h 21 min
